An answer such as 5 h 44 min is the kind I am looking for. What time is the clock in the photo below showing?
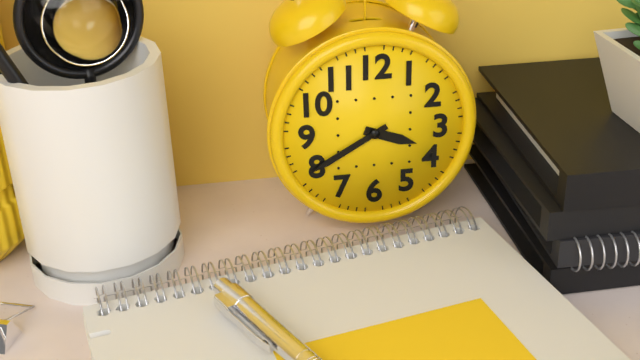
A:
3 h 40 min
